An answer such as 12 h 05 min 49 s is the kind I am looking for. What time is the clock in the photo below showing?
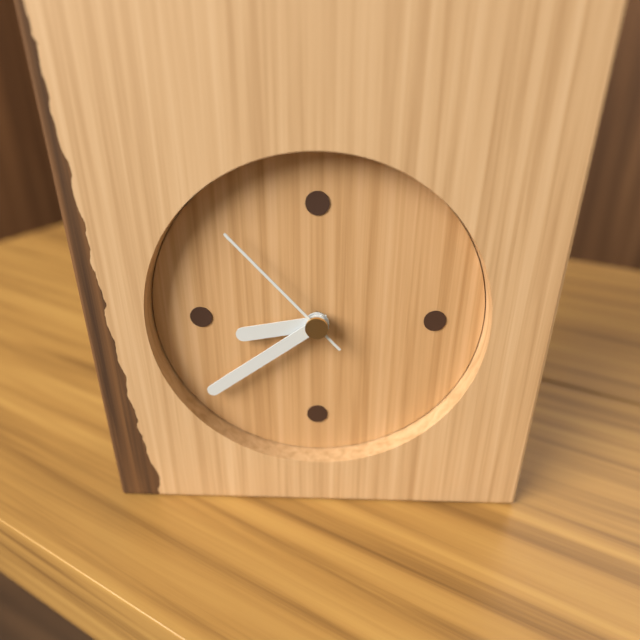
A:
8 h 39 min 53 s
